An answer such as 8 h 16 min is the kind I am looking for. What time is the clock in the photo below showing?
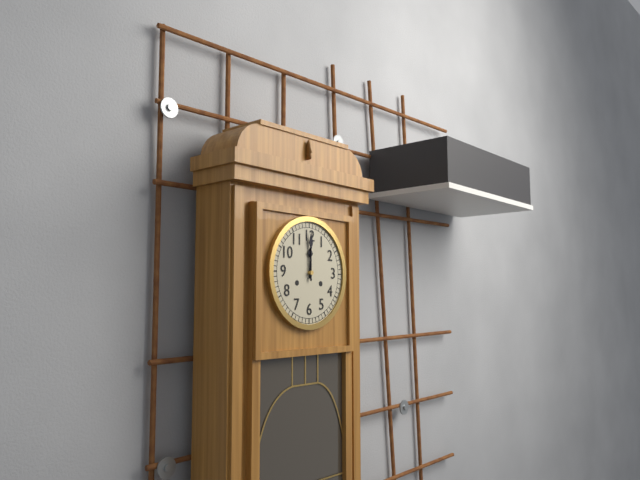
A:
12 h 00 min
